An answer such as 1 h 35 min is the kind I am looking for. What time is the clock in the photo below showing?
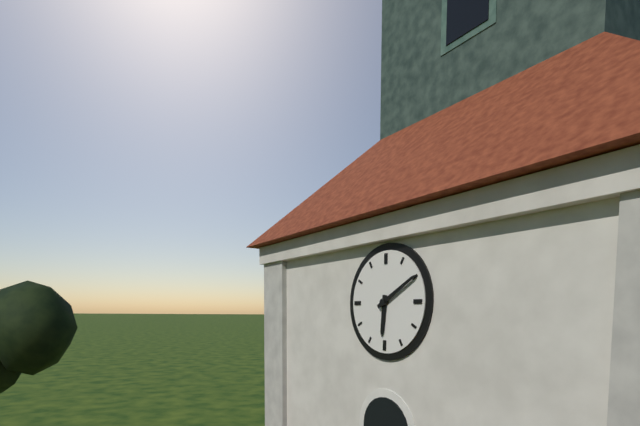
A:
6 h 10 min
